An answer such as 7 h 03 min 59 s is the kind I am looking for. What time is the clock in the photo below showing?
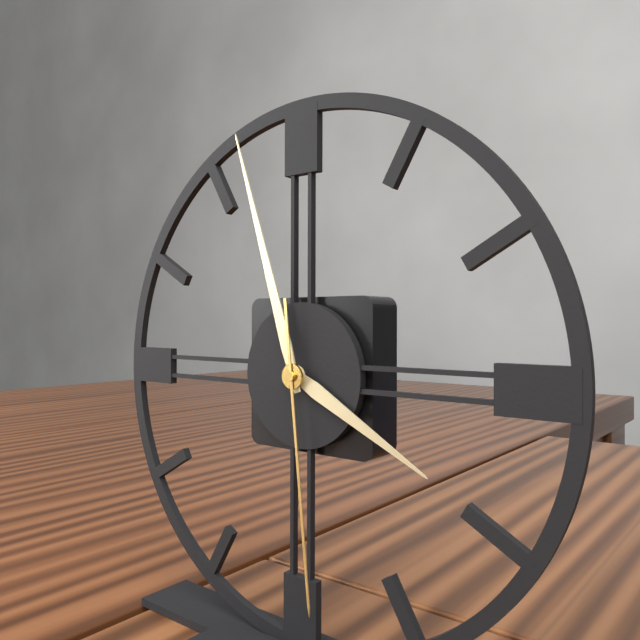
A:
3 h 57 min 29 s
